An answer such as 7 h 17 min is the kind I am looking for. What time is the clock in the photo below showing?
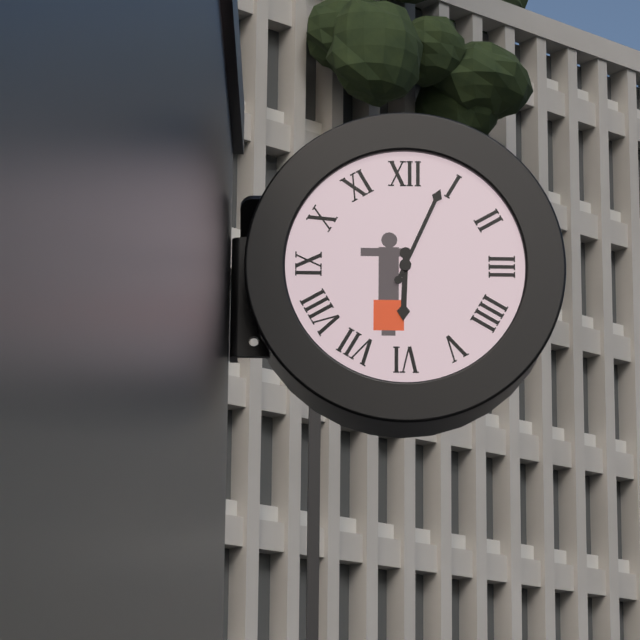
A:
6 h 04 min
